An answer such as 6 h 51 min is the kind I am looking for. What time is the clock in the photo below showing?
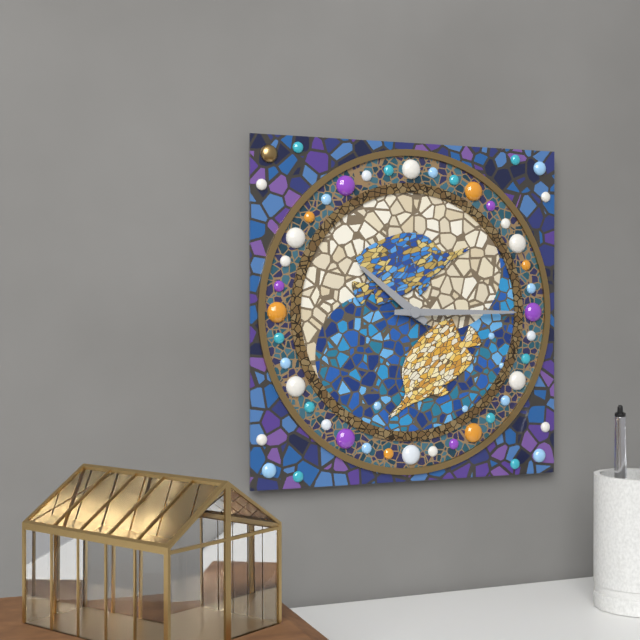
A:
10 h 15 min
